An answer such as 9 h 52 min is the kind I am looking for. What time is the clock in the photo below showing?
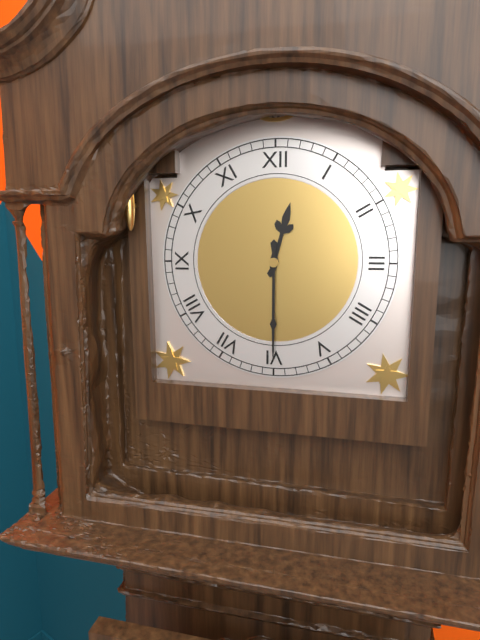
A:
12 h 30 min
